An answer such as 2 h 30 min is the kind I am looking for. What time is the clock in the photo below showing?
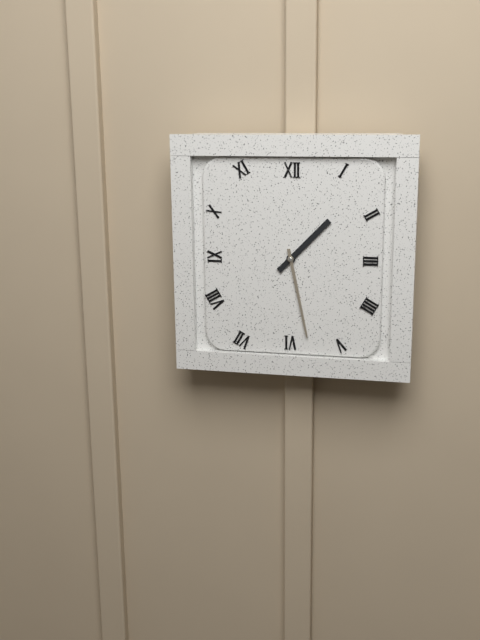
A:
1 h 28 min
